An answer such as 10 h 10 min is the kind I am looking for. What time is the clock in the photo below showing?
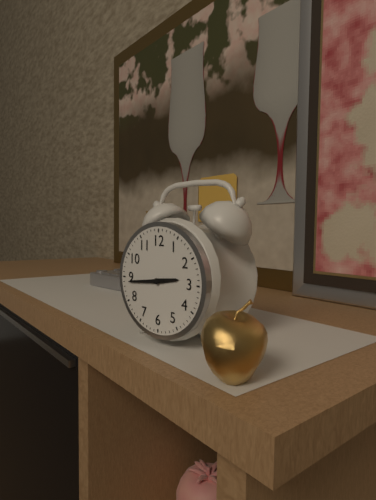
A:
2 h 44 min
